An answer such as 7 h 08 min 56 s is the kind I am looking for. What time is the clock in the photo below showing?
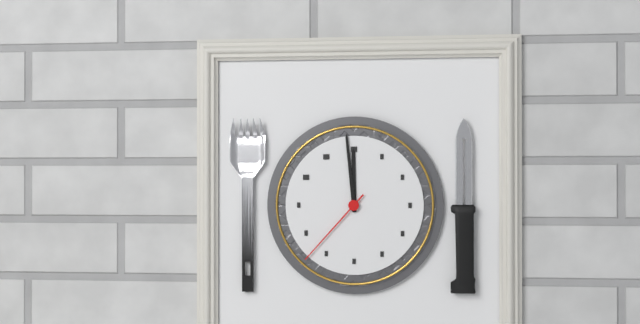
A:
11 h 59 min 37 s
